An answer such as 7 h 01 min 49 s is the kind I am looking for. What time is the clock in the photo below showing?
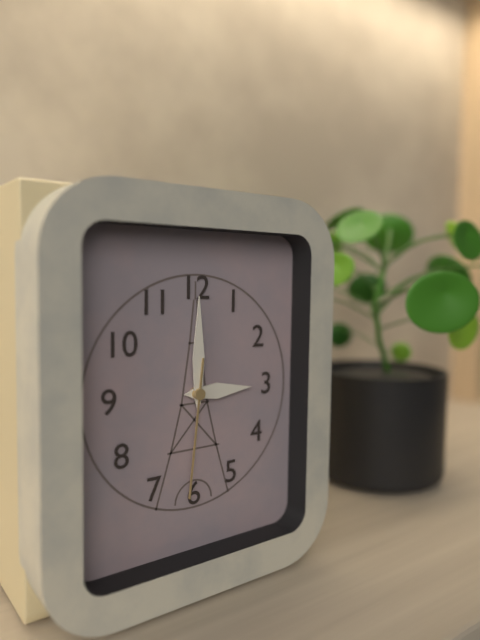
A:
3 h 00 min 31 s
